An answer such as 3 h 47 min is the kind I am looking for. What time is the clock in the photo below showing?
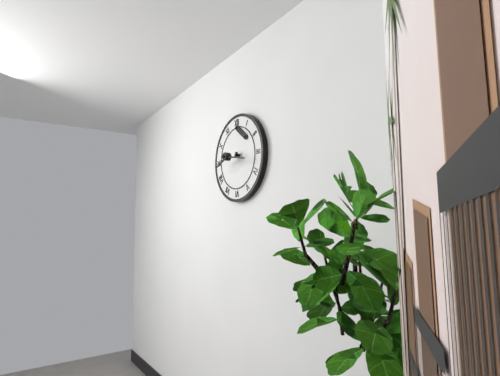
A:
8 h 17 min
